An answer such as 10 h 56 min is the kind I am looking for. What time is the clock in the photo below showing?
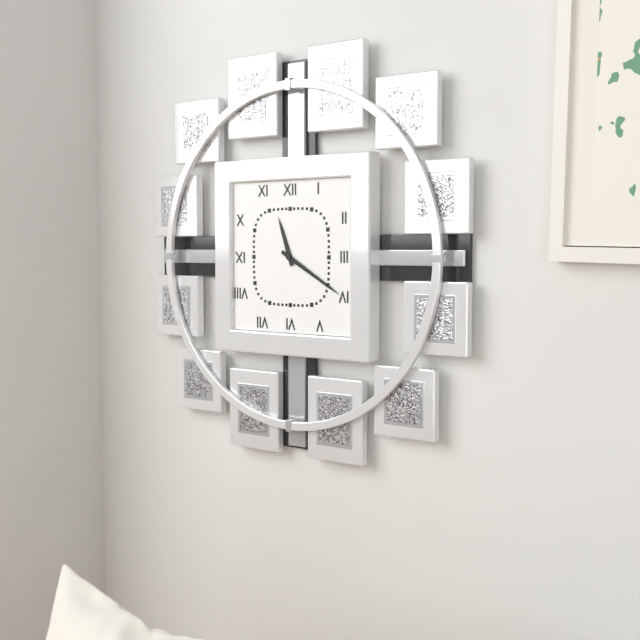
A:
11 h 20 min
